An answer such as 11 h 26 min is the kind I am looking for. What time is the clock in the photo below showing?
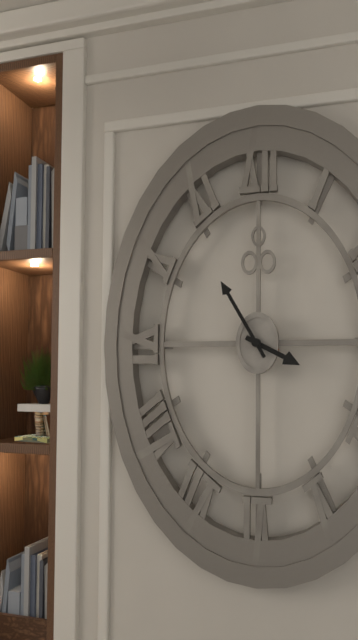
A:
3 h 55 min
